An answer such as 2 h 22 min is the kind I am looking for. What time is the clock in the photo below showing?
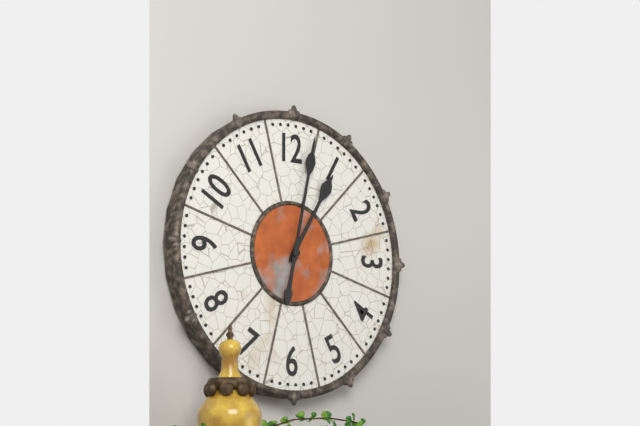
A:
1 h 02 min
